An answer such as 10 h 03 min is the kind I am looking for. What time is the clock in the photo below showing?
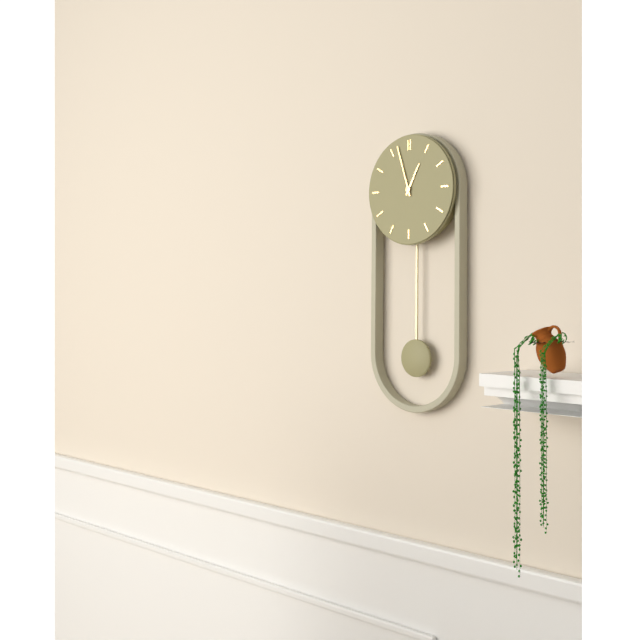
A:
12 h 57 min
